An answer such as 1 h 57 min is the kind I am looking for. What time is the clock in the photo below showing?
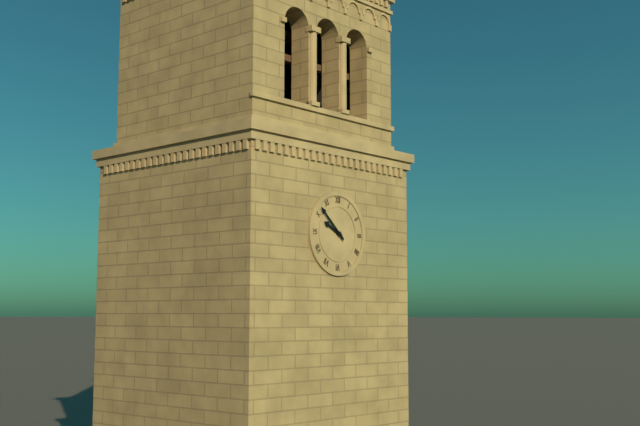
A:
9 h 52 min
